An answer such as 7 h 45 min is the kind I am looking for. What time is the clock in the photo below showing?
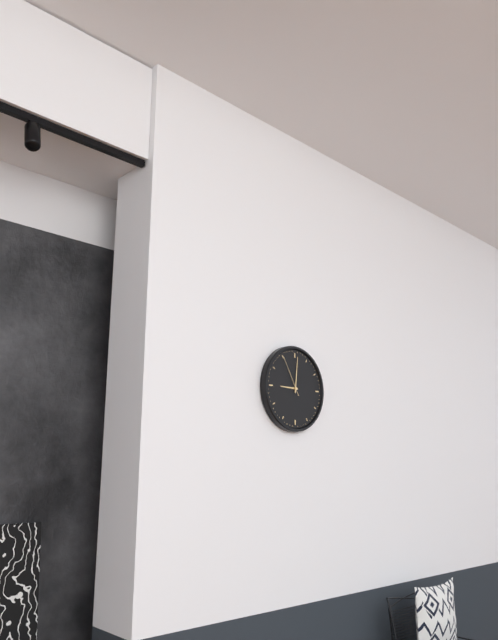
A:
9 h 01 min
